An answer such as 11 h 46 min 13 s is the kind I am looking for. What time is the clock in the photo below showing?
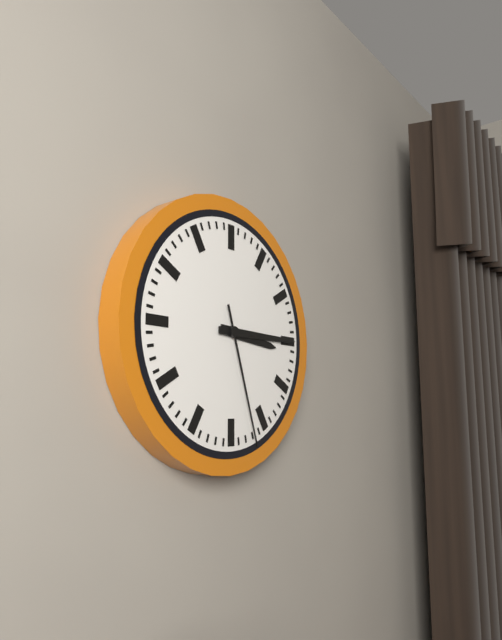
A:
3 h 15 min 27 s
